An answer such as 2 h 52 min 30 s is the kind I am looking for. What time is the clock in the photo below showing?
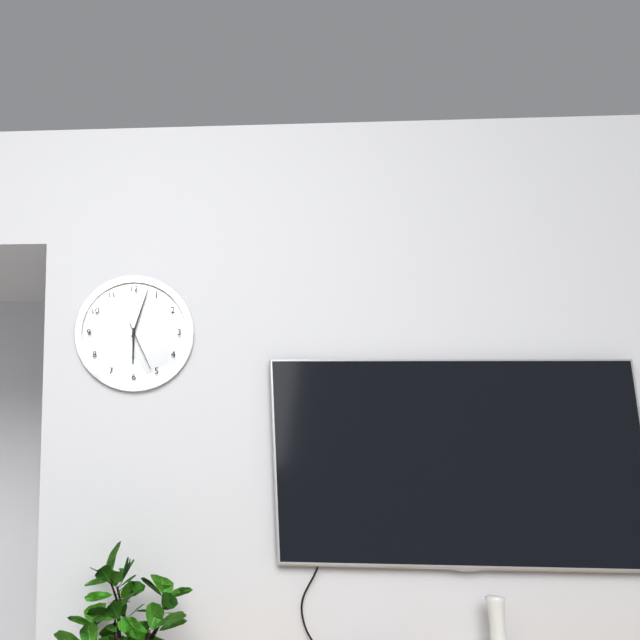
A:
6 h 03 min 26 s
